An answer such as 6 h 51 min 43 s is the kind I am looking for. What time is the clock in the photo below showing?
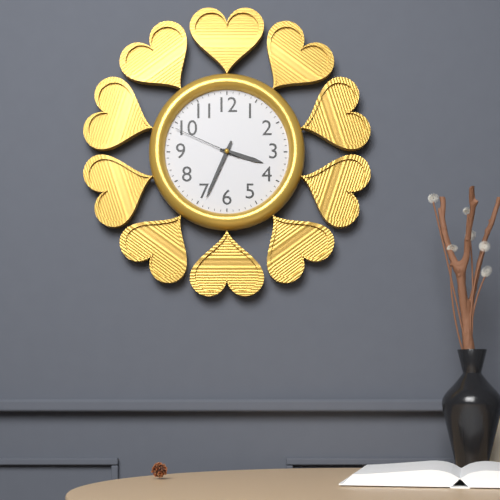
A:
3 h 34 min 49 s
